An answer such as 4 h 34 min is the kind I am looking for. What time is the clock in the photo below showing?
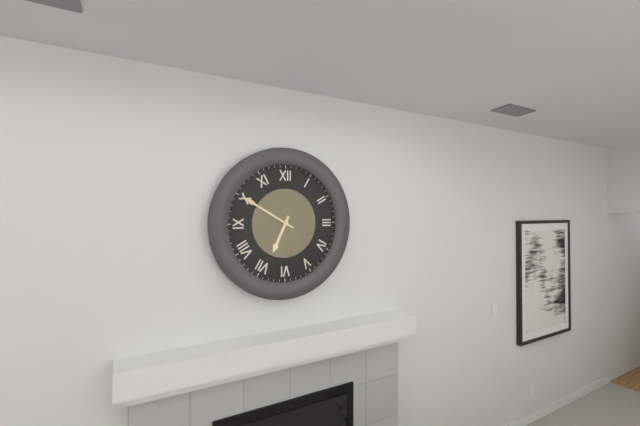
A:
6 h 50 min
